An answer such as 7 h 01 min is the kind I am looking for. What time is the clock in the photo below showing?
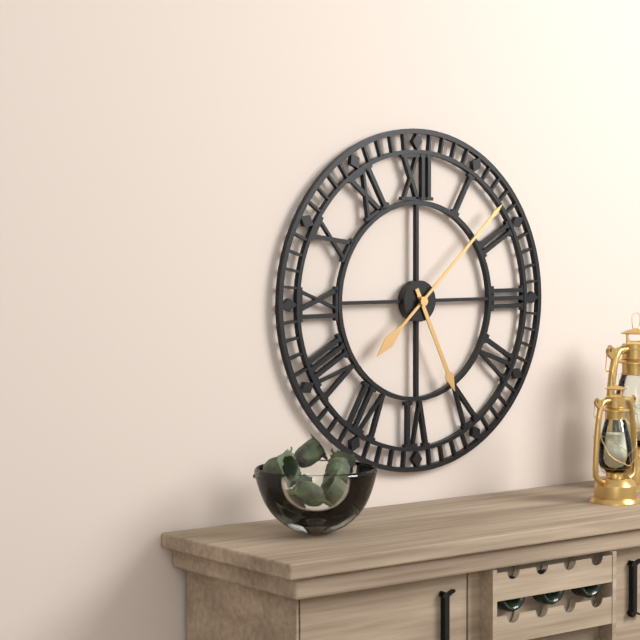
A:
5 h 08 min
